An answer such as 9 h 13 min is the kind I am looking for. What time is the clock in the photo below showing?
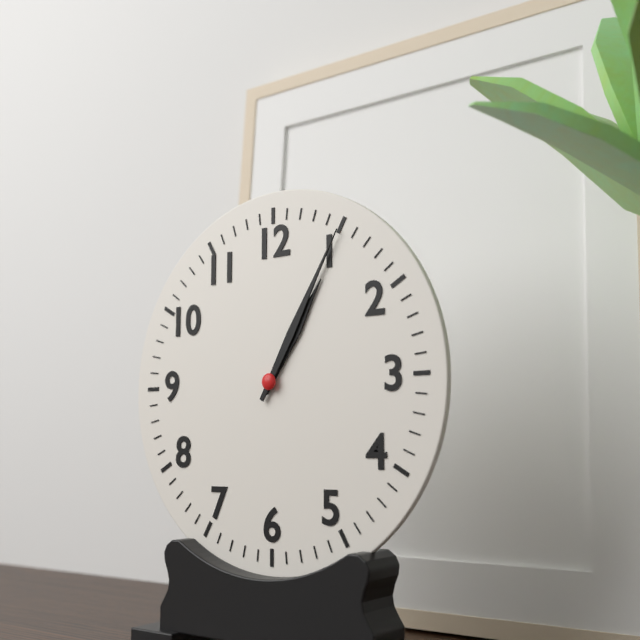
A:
1 h 05 min
